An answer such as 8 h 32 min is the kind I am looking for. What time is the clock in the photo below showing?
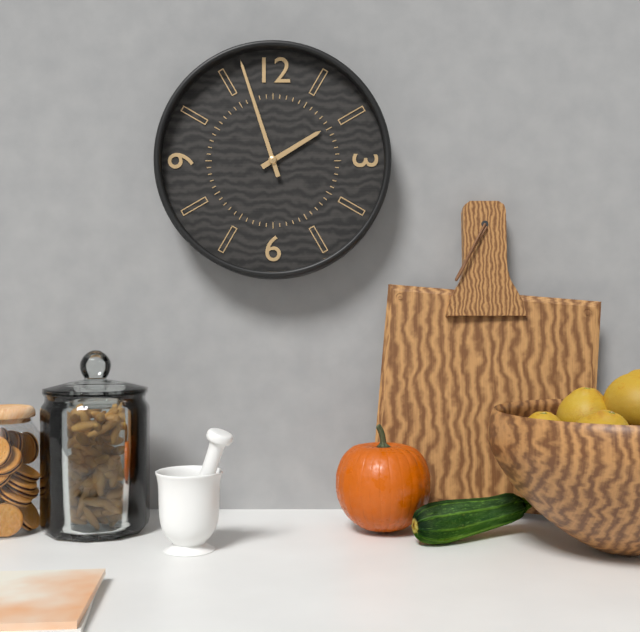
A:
1 h 57 min
